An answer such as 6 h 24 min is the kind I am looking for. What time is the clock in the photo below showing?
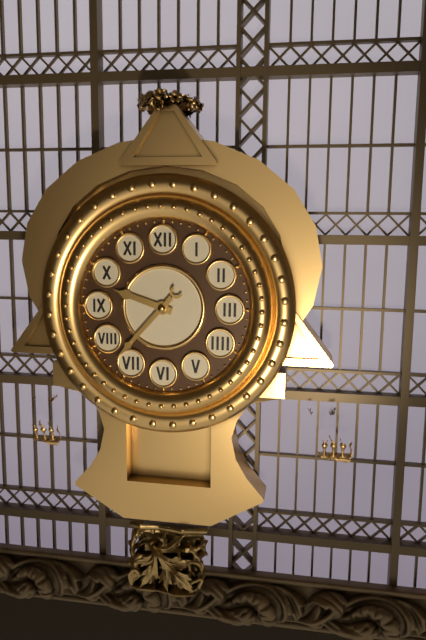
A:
9 h 37 min
